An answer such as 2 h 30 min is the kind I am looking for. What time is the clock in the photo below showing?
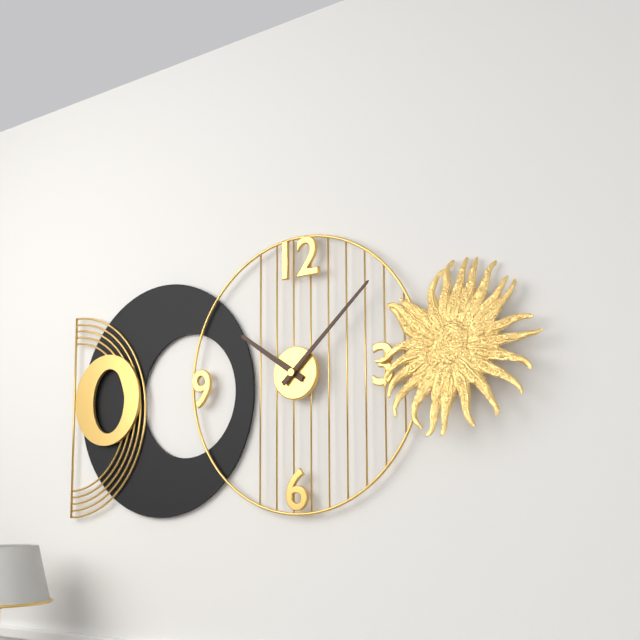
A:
10 h 08 min
